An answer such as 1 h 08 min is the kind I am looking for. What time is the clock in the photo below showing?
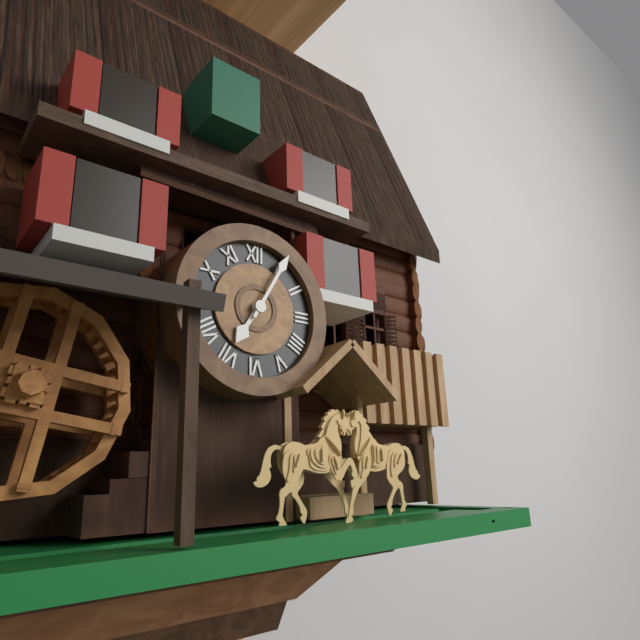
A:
7 h 05 min
